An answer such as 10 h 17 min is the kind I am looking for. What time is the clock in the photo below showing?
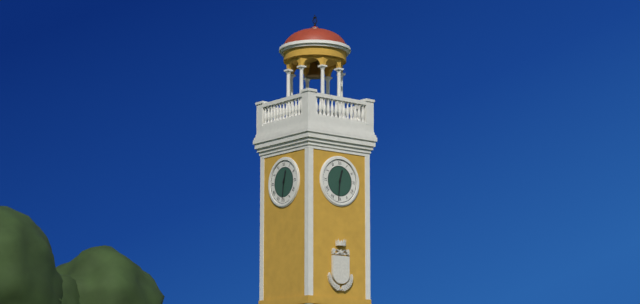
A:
12 h 31 min
